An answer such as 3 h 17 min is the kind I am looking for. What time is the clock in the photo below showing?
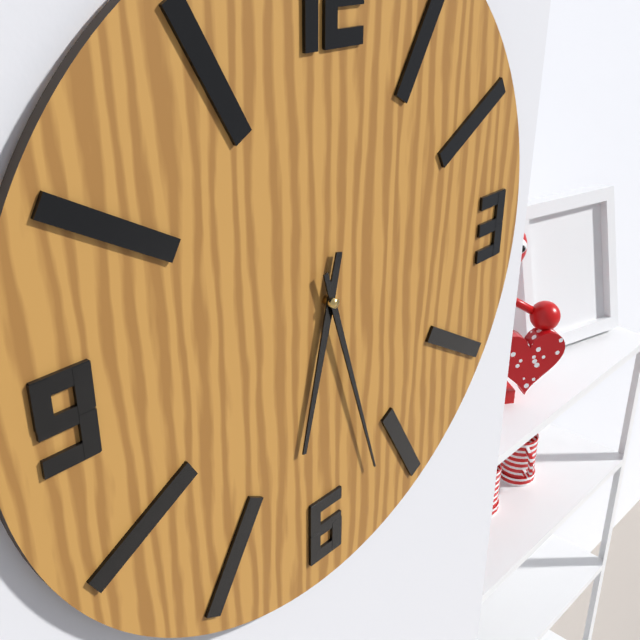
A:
6 h 27 min
